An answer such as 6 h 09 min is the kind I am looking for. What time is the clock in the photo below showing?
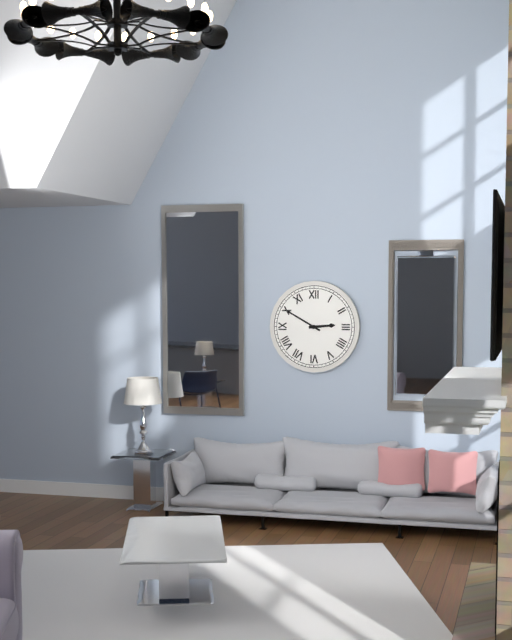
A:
2 h 50 min
